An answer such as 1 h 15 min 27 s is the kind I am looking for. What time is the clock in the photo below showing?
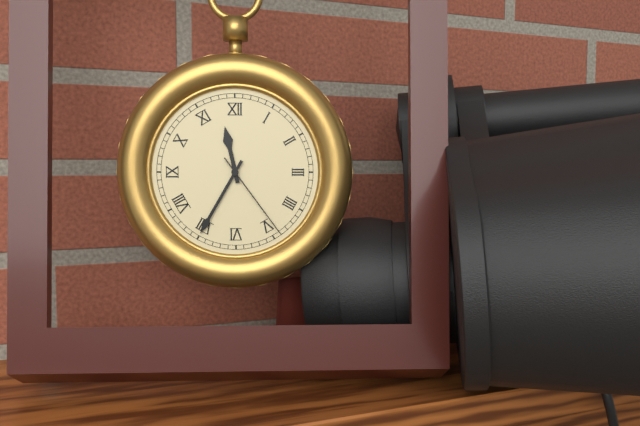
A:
11 h 35 min 24 s
